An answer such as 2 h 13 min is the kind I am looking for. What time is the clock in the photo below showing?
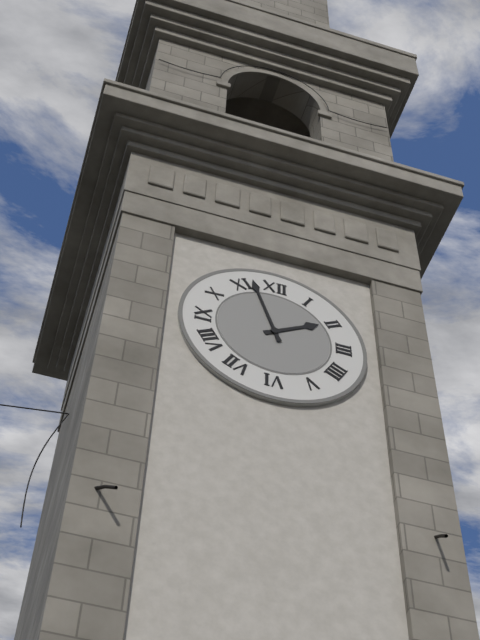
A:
1 h 57 min
